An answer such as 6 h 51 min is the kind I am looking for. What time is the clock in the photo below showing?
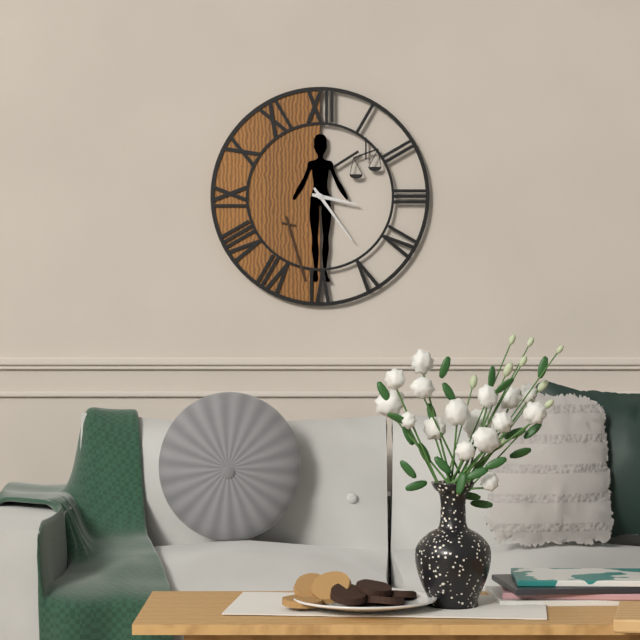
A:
3 h 24 min
